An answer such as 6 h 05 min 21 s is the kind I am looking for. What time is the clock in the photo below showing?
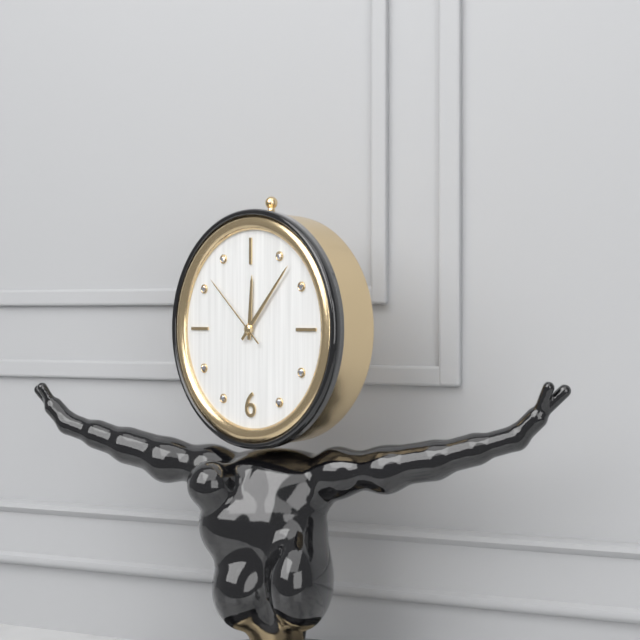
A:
12 h 07 min 52 s
